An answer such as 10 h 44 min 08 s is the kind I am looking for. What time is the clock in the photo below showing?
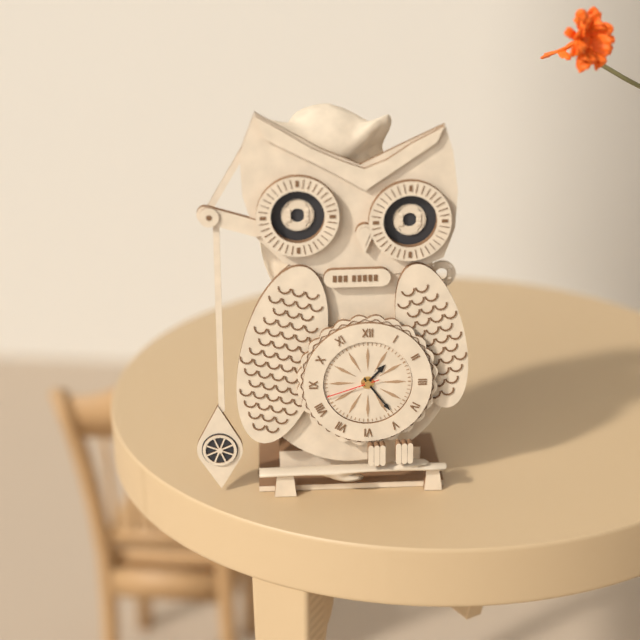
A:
1 h 24 min 42 s
